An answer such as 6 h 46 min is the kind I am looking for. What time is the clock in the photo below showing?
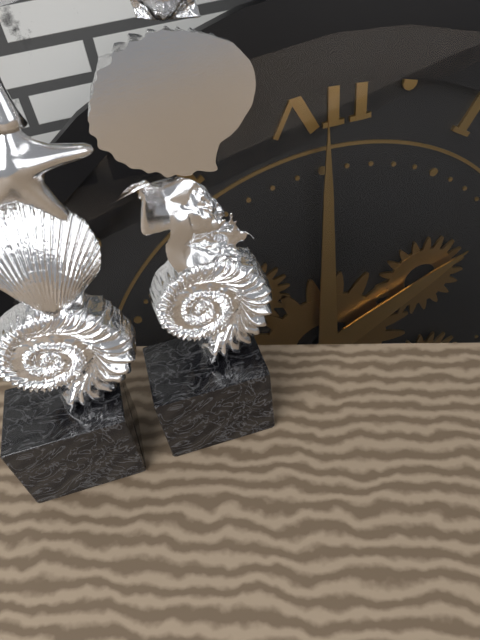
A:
2 h 00 min
